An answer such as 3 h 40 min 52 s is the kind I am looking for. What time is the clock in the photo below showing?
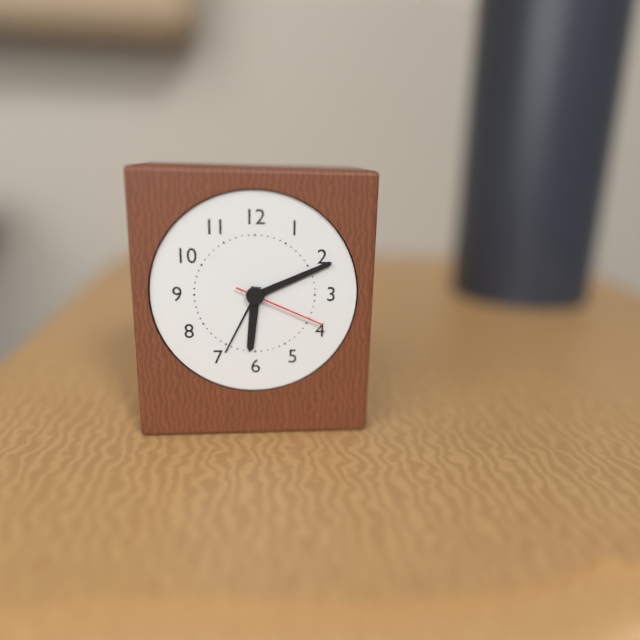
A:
6 h 11 min 19 s
